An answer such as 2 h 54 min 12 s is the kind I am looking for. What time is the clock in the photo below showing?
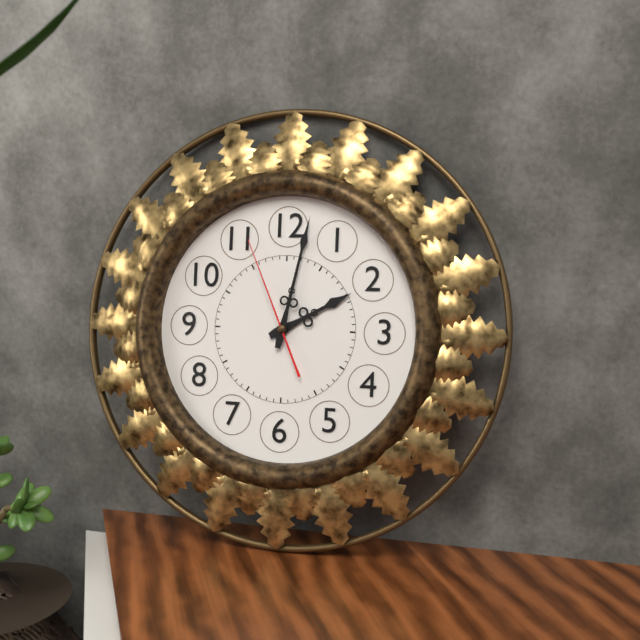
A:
2 h 02 min 56 s
